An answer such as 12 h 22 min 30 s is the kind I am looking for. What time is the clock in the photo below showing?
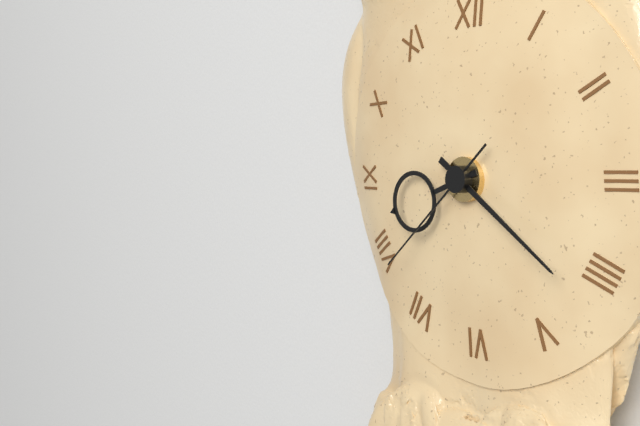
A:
8 h 21 min 38 s
